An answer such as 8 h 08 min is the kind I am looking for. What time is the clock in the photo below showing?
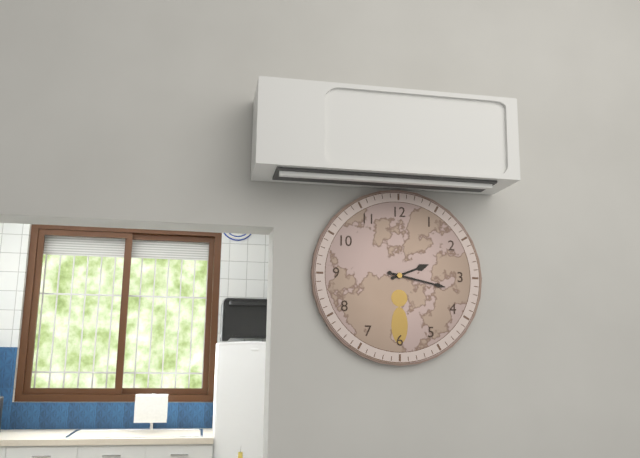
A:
2 h 17 min
